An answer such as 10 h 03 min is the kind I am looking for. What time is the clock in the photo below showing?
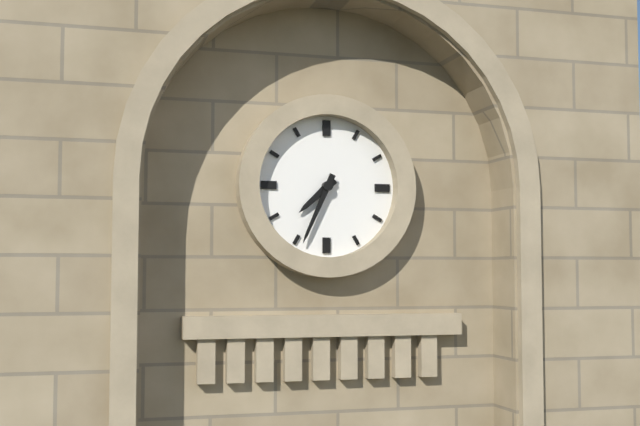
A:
7 h 34 min
